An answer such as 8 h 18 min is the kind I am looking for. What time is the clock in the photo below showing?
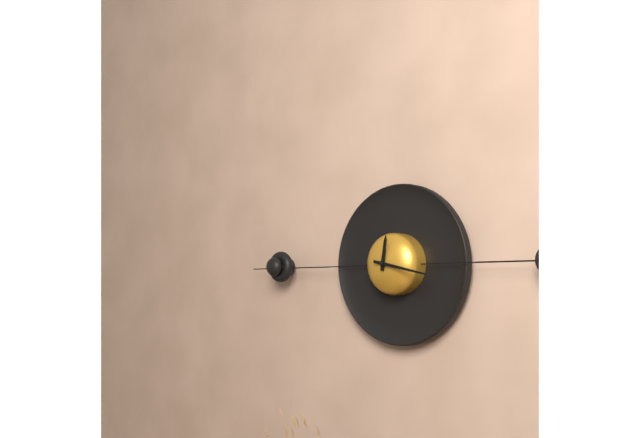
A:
12 h 17 min
